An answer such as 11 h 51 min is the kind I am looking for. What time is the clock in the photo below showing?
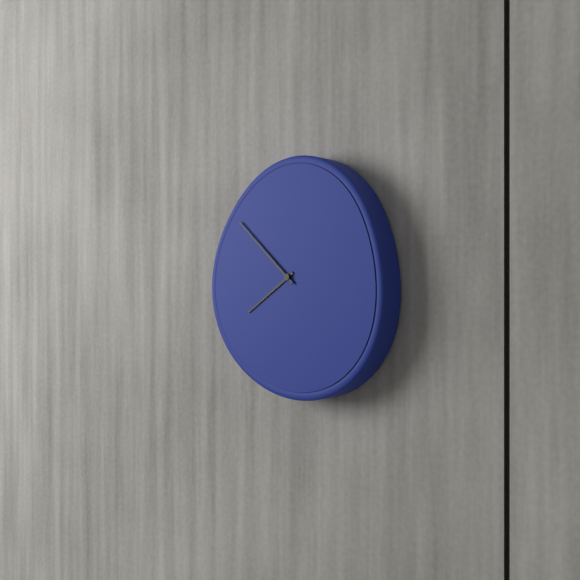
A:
7 h 52 min
